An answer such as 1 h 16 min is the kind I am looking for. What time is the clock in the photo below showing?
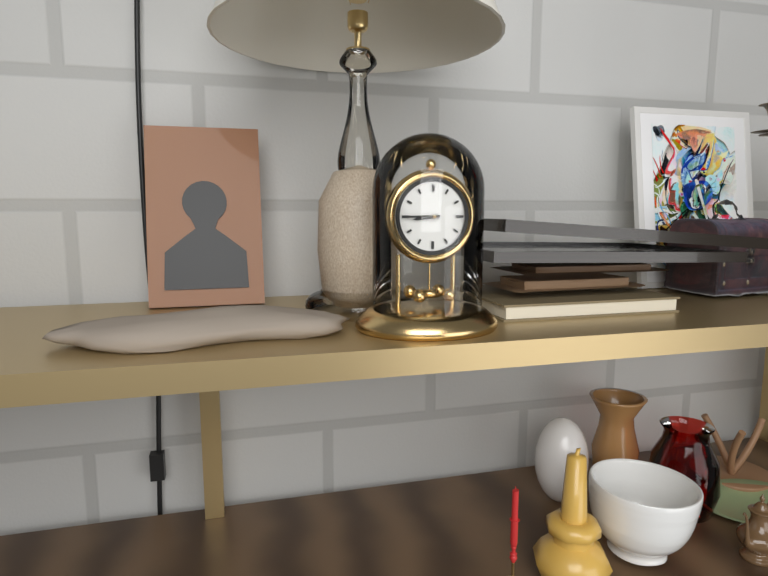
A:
8 h 45 min
